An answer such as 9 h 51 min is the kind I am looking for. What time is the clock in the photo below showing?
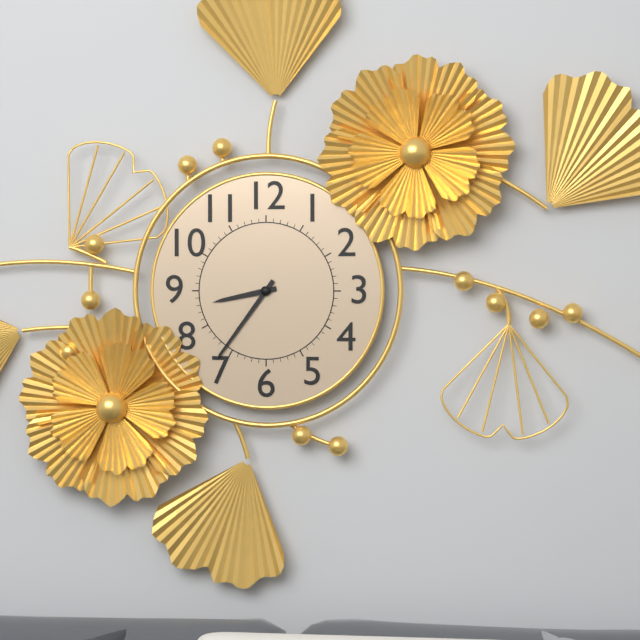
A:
8 h 36 min
